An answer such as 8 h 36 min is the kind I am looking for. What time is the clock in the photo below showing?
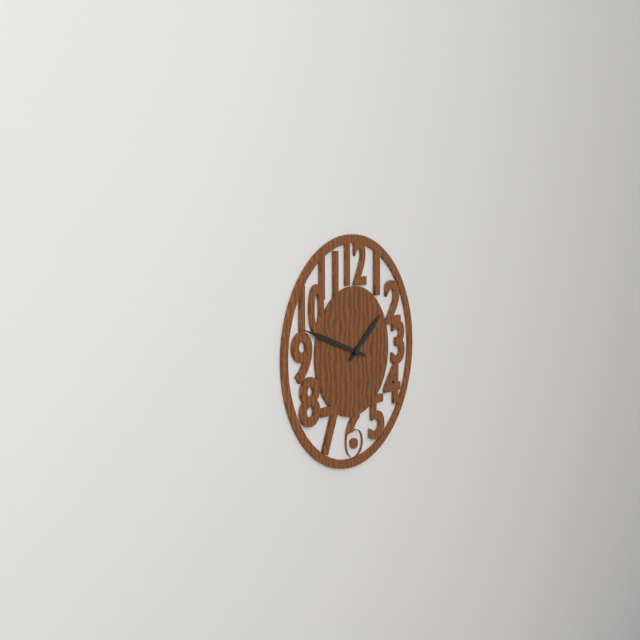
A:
1 h 48 min
